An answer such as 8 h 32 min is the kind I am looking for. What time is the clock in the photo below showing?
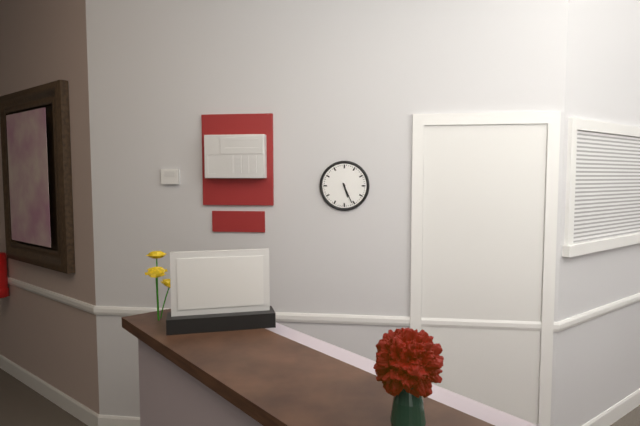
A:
5 h 26 min
